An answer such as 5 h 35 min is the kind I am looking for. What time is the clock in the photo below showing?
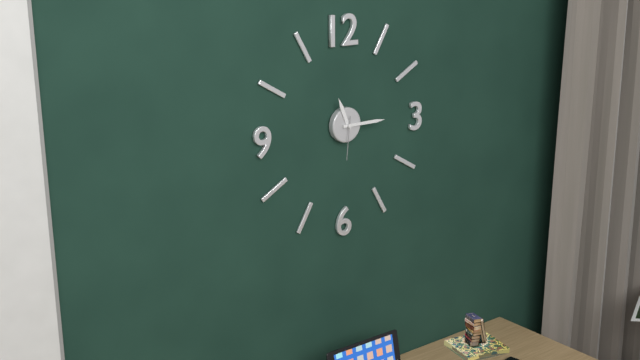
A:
11 h 15 min
